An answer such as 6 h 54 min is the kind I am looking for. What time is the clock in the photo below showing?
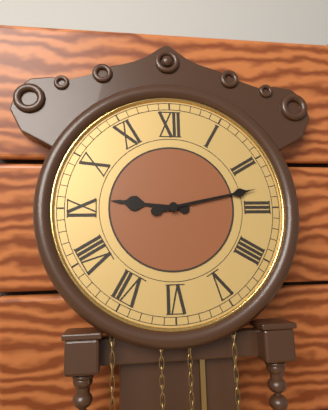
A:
9 h 13 min
